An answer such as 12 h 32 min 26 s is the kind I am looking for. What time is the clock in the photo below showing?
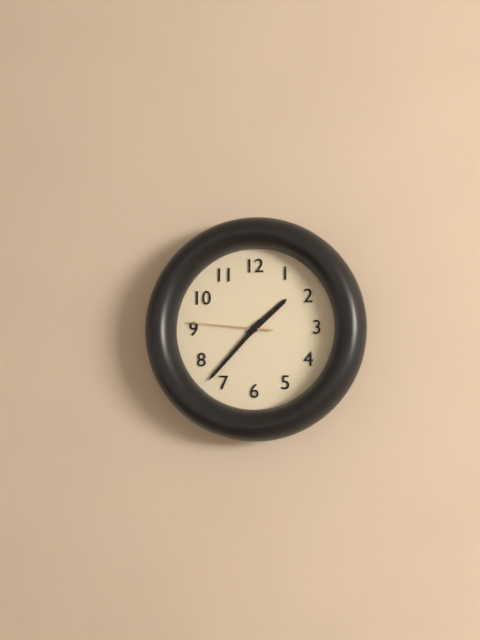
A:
1 h 37 min 46 s
